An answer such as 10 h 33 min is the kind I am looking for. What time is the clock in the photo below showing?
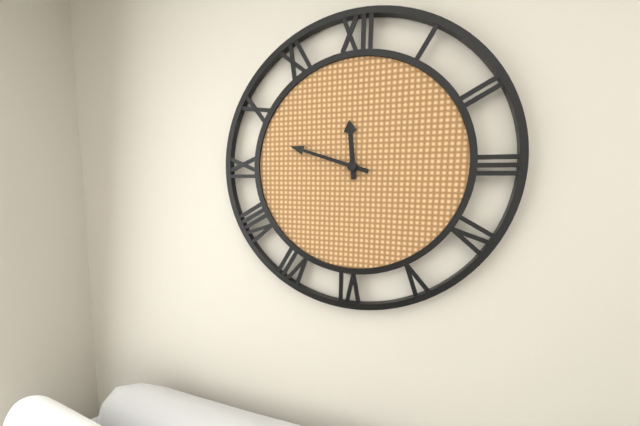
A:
11 h 48 min
